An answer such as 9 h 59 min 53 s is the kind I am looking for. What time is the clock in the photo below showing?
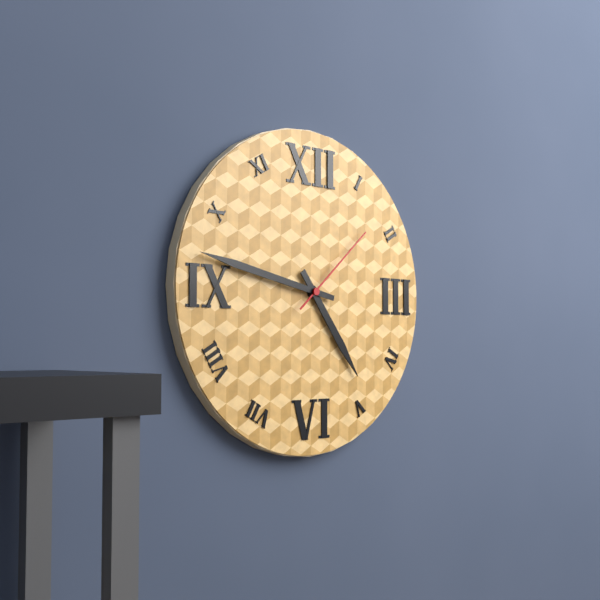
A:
4 h 47 min 08 s
